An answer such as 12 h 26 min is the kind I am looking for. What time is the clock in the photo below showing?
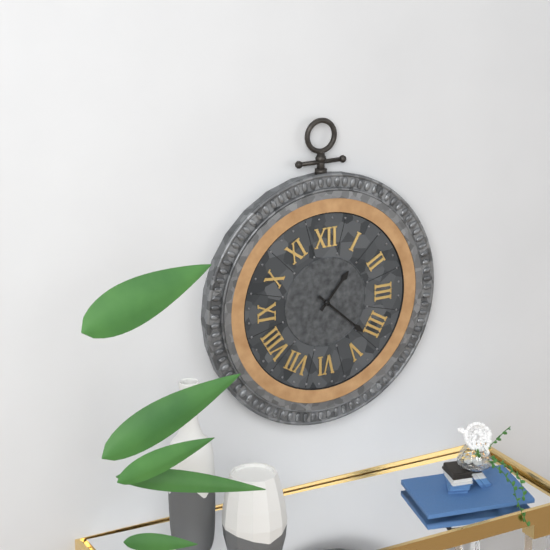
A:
1 h 22 min
